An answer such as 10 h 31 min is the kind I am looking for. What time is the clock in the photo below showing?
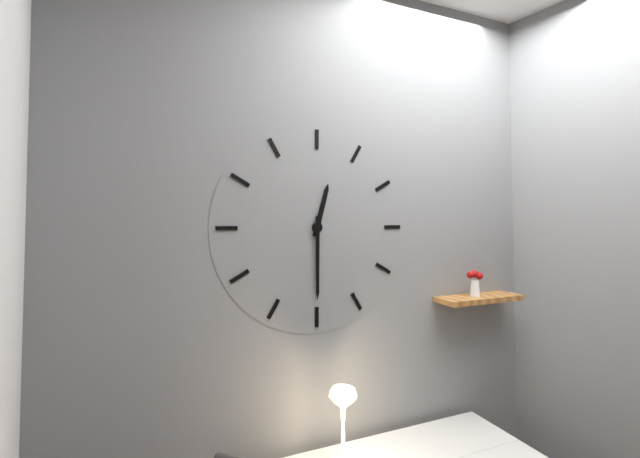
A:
12 h 30 min
